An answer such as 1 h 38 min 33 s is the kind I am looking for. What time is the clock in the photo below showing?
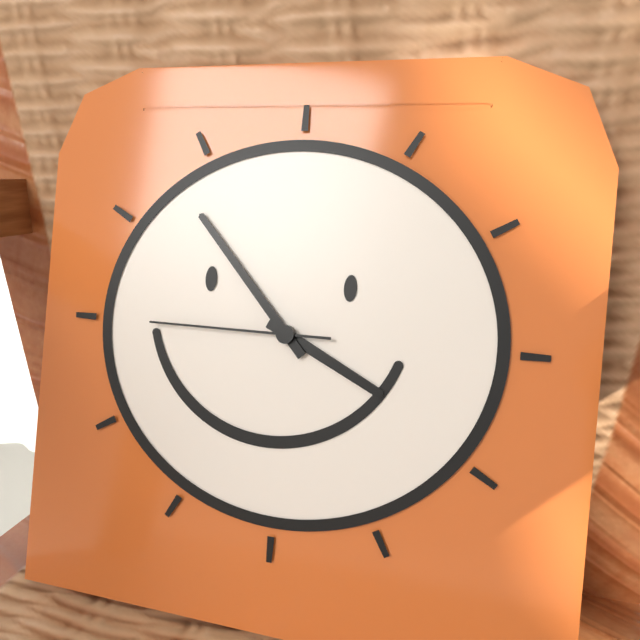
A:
3 h 53 min 45 s
